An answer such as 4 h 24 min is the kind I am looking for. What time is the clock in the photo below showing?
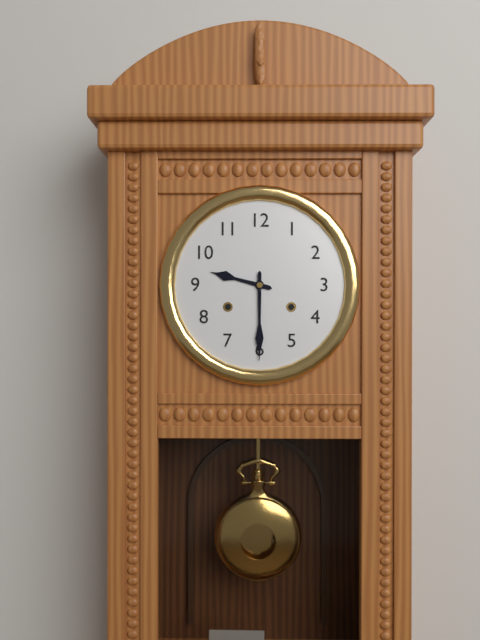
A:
9 h 30 min
